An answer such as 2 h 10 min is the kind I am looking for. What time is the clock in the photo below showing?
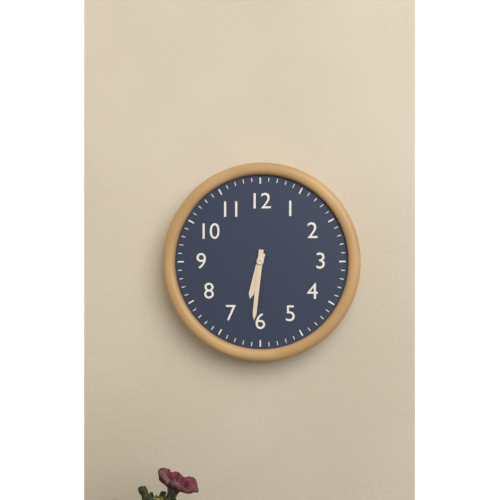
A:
6 h 31 min
